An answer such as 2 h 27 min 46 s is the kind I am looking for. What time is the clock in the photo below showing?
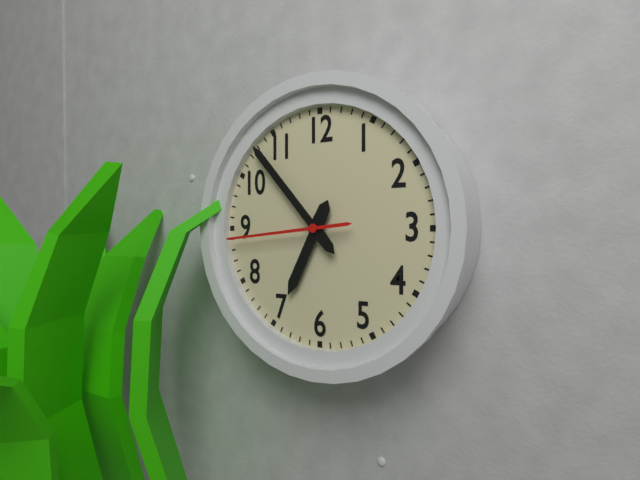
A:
6 h 53 min 44 s
